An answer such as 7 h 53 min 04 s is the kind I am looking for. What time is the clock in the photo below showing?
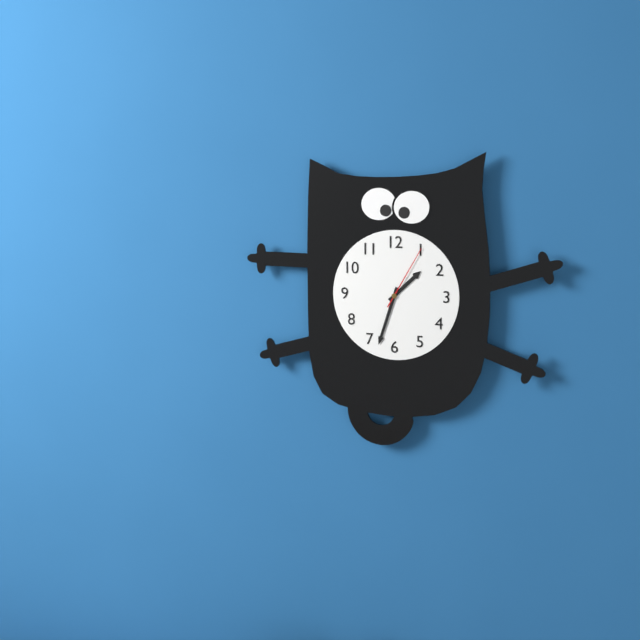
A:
1 h 33 min 05 s
